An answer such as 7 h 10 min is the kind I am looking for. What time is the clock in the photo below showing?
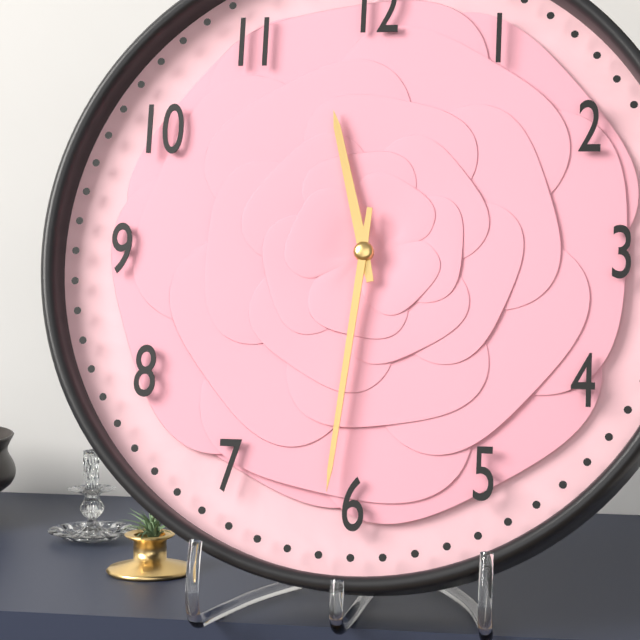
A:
11 h 31 min
